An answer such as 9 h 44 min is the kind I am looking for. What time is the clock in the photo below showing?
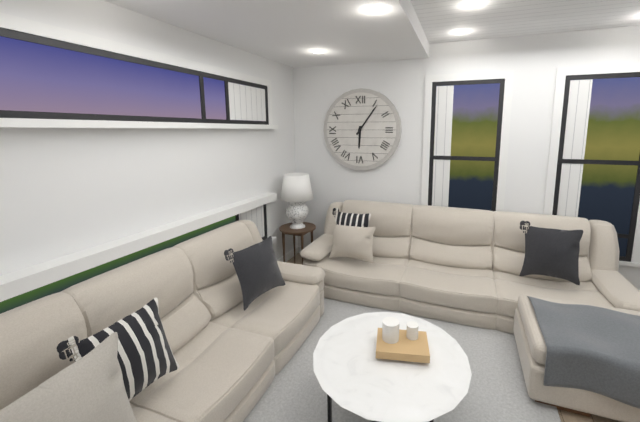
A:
6 h 06 min
